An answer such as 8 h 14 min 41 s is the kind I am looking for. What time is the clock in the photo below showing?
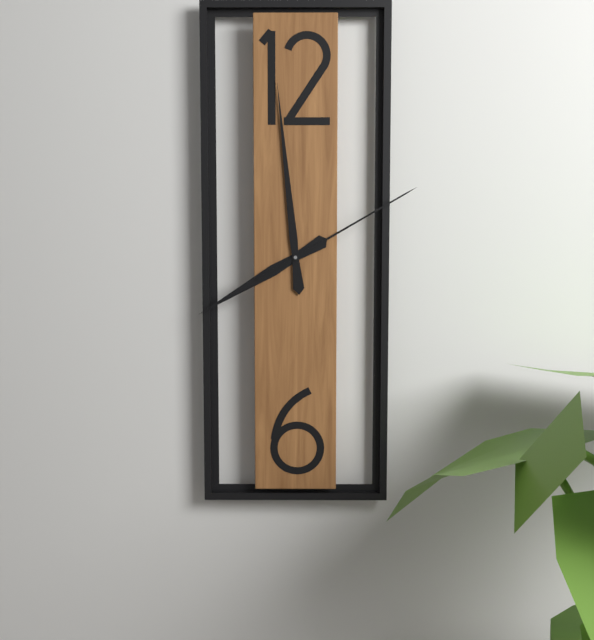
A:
7 h 59 min 10 s
